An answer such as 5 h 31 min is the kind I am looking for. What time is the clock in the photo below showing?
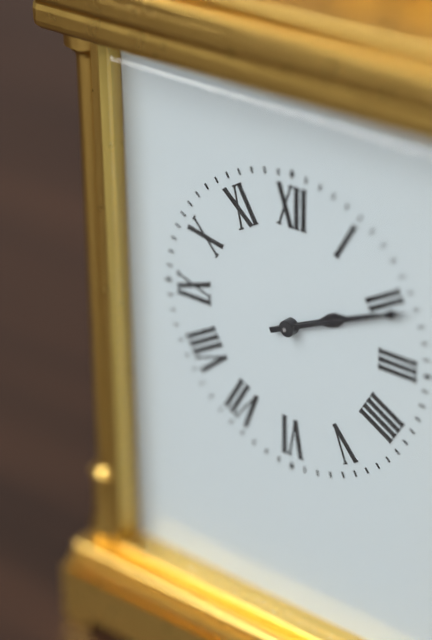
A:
2 h 11 min
